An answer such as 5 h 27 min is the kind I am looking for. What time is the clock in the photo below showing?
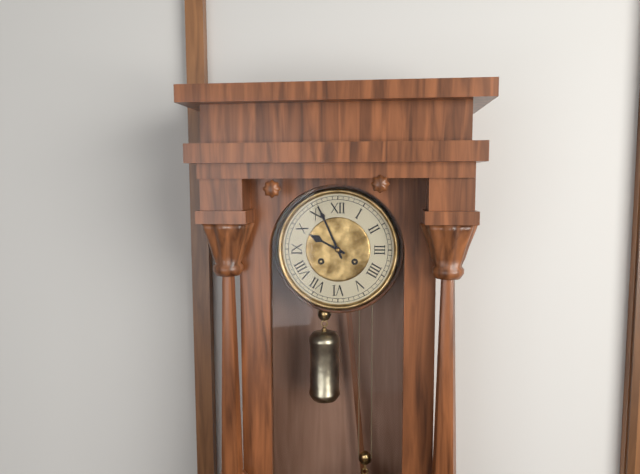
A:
9 h 56 min
